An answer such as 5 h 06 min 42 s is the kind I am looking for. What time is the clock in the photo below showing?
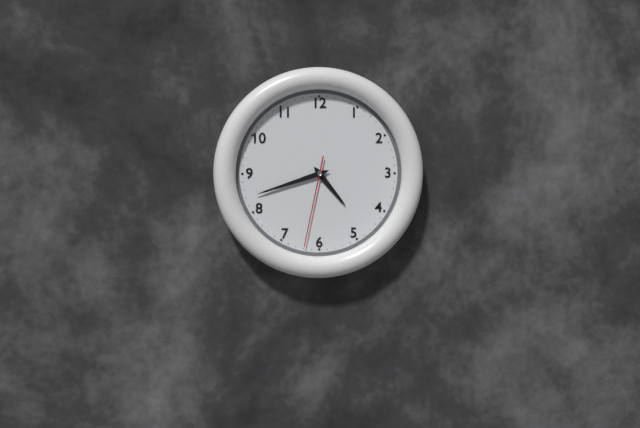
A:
4 h 42 min 32 s
